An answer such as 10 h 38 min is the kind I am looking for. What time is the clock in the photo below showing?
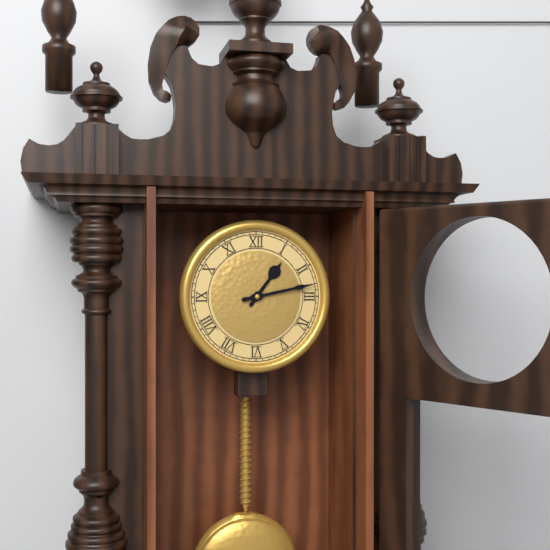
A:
1 h 13 min
